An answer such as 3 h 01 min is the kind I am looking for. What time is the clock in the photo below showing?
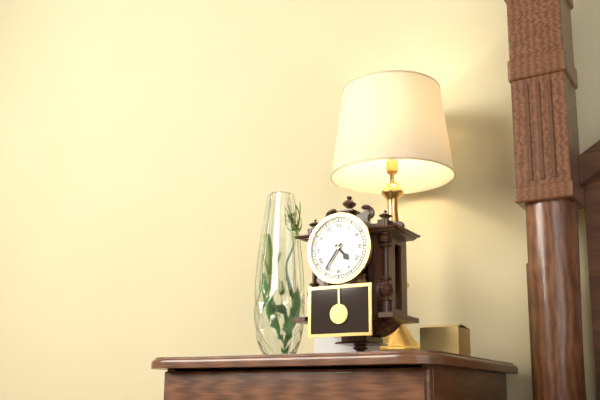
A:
4 h 36 min
